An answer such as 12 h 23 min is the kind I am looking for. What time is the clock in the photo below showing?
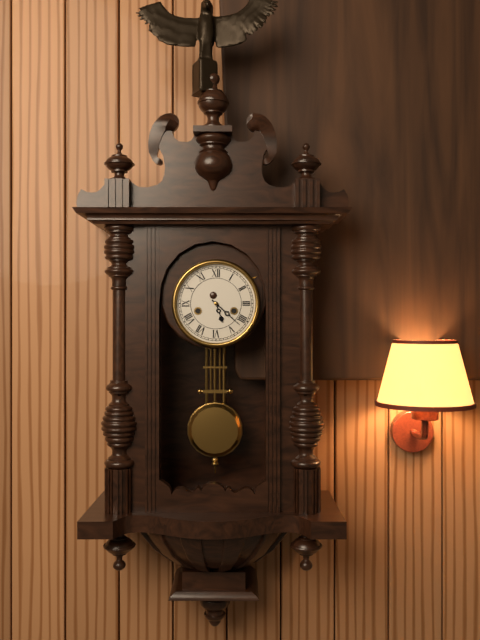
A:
5 h 22 min
